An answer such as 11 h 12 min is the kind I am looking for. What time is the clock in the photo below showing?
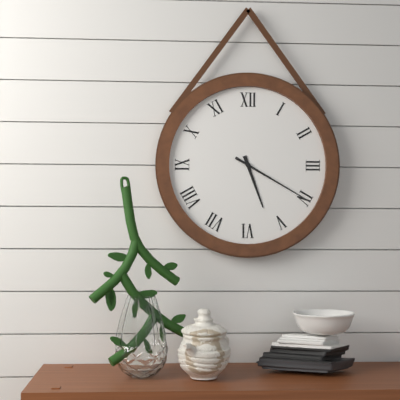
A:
5 h 20 min
